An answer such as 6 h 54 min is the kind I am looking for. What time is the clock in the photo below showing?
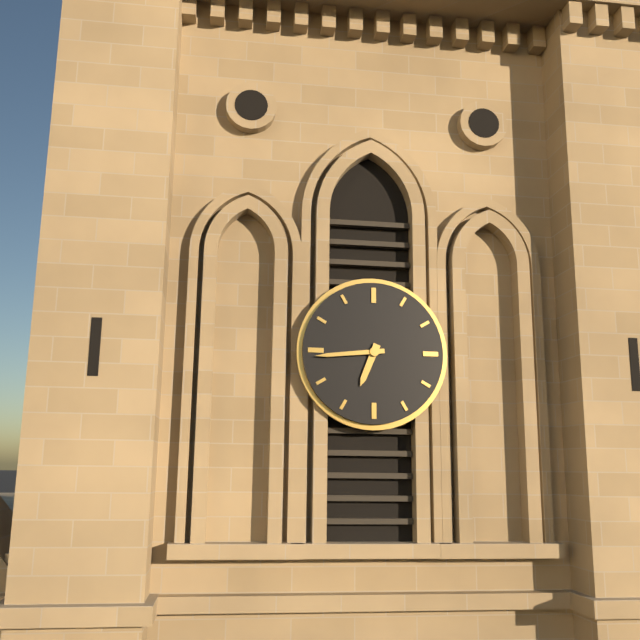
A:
6 h 44 min
